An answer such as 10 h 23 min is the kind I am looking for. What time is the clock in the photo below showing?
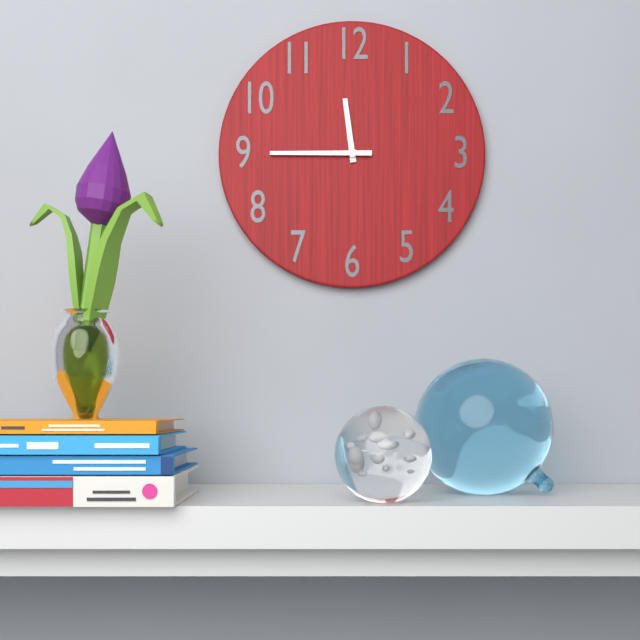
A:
11 h 45 min
